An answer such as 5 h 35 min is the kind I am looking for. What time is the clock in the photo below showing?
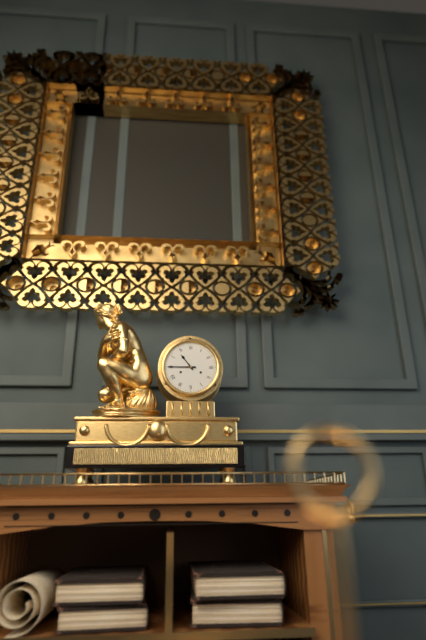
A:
10 h 45 min
